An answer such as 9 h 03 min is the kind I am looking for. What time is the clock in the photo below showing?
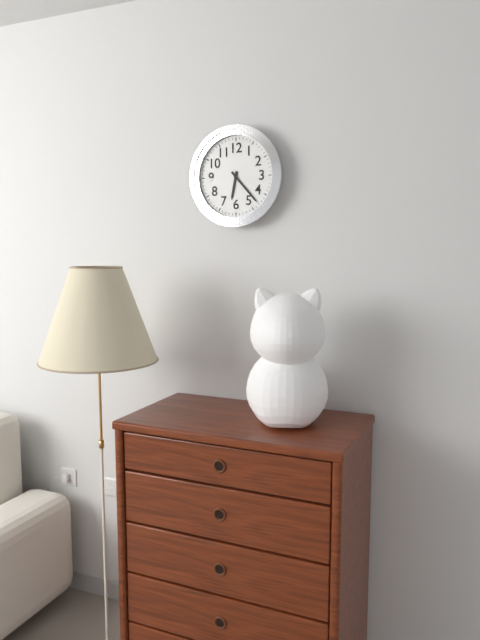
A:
6 h 23 min
